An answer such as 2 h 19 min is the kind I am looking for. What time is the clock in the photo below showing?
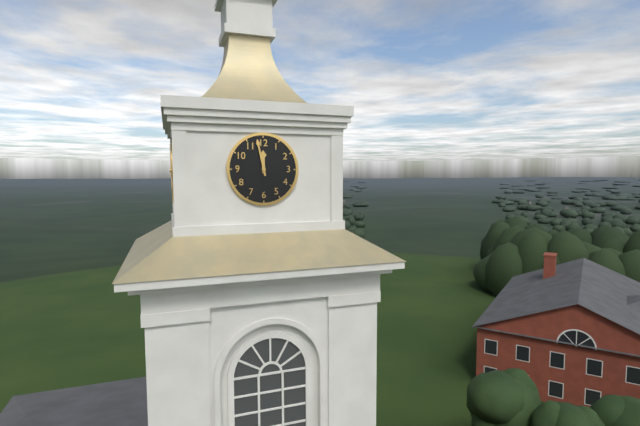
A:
11 h 58 min
